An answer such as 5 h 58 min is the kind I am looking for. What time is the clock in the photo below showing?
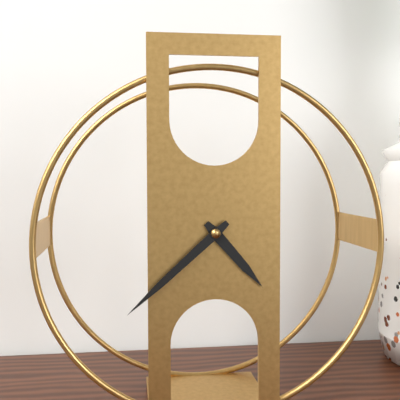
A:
4 h 38 min
